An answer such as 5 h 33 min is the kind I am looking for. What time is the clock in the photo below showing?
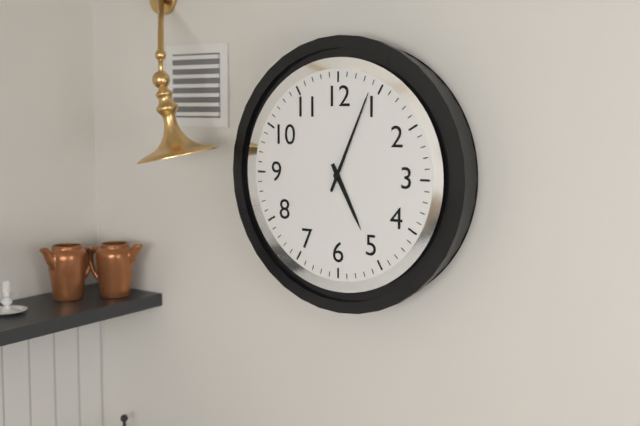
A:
5 h 04 min
